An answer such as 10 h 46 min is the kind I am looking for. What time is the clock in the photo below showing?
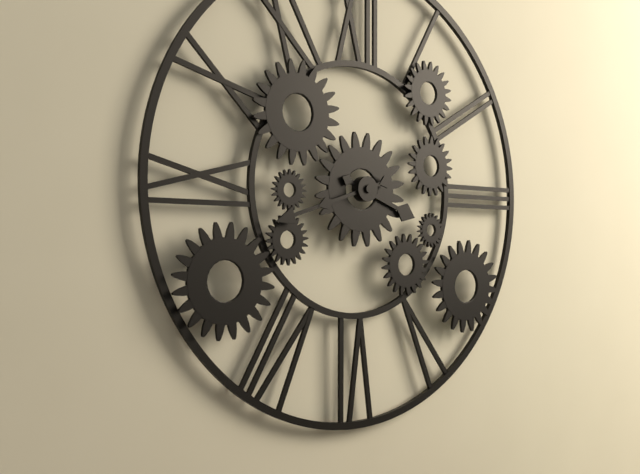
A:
3 h 42 min
